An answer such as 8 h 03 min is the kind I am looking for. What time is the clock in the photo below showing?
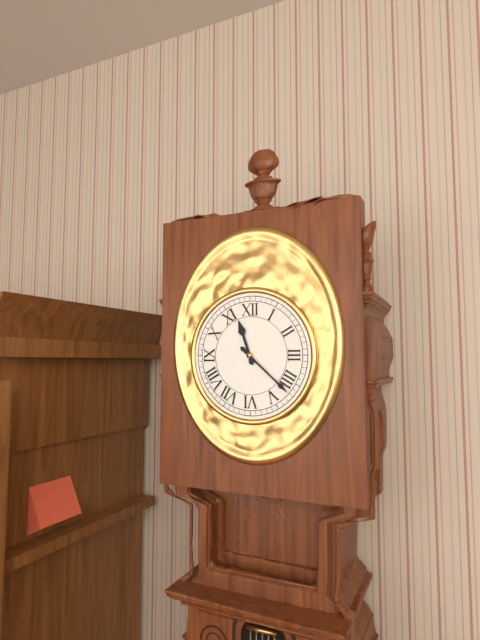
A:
11 h 22 min
